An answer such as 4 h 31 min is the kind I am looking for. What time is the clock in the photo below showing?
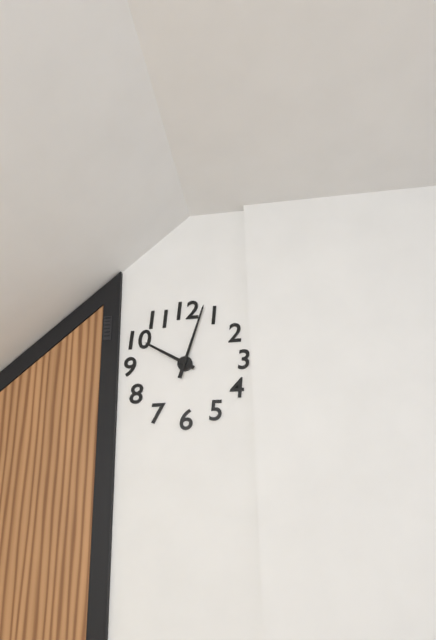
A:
10 h 03 min
